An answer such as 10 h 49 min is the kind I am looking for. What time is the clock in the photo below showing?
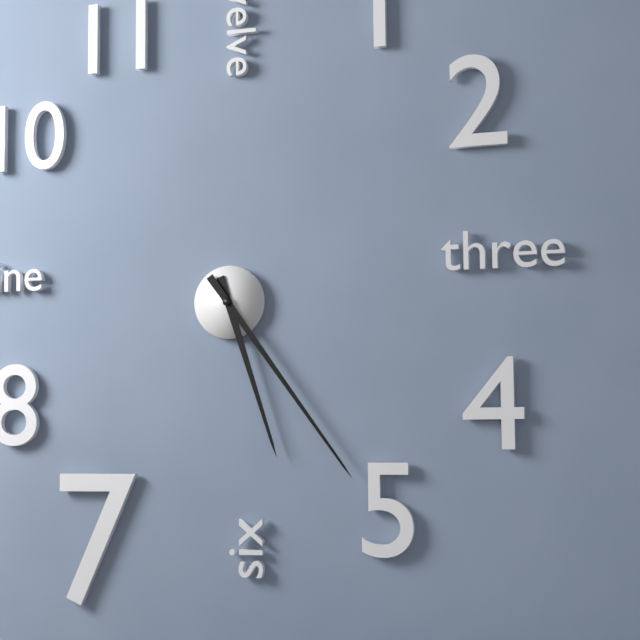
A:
5 h 24 min
